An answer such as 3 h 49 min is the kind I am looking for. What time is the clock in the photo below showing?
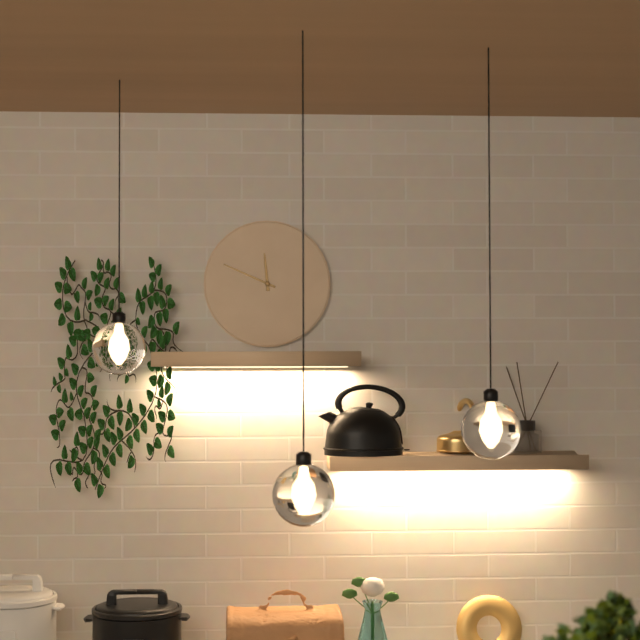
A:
11 h 49 min
